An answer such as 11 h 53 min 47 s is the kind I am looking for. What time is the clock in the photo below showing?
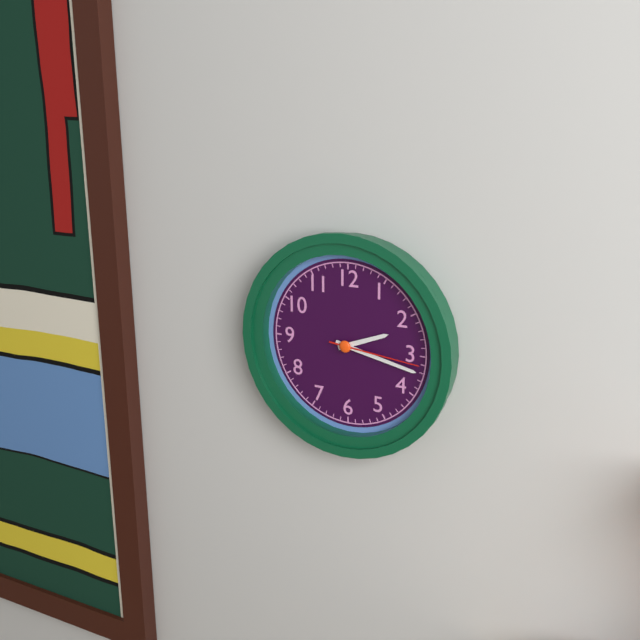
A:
2 h 17 min 16 s
